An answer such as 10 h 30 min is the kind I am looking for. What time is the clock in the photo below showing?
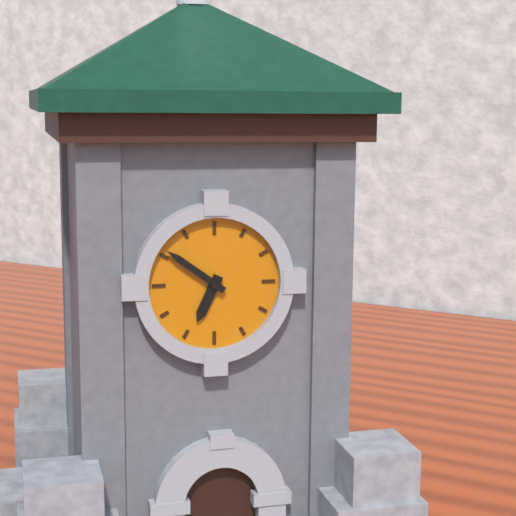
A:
6 h 51 min
